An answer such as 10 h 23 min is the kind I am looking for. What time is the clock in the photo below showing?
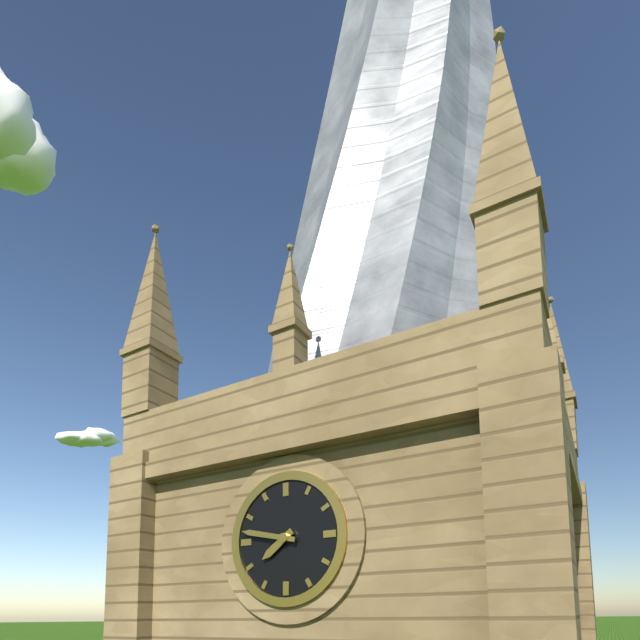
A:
7 h 47 min
